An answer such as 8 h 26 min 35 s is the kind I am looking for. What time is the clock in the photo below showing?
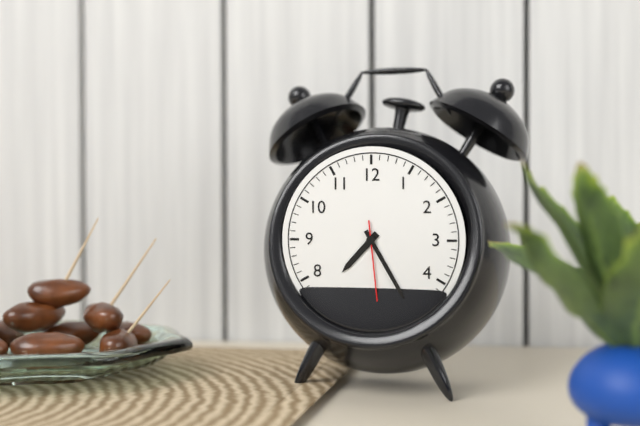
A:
7 h 25 min 29 s
